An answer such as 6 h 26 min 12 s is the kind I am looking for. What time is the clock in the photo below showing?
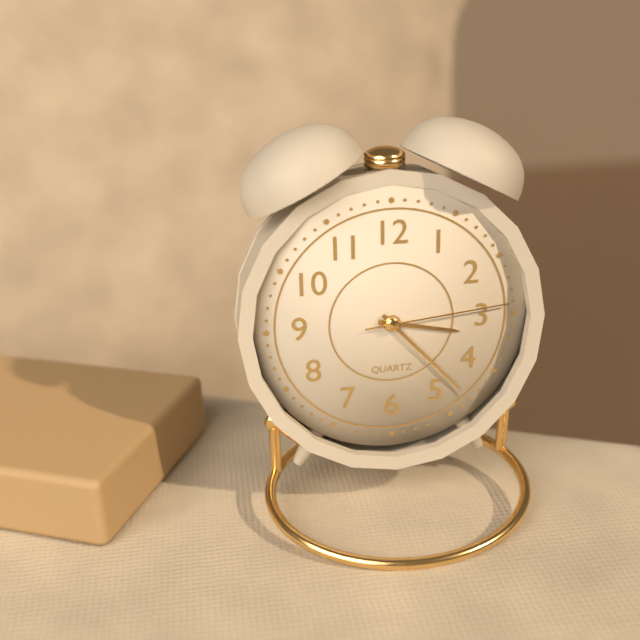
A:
3 h 23 min 14 s
